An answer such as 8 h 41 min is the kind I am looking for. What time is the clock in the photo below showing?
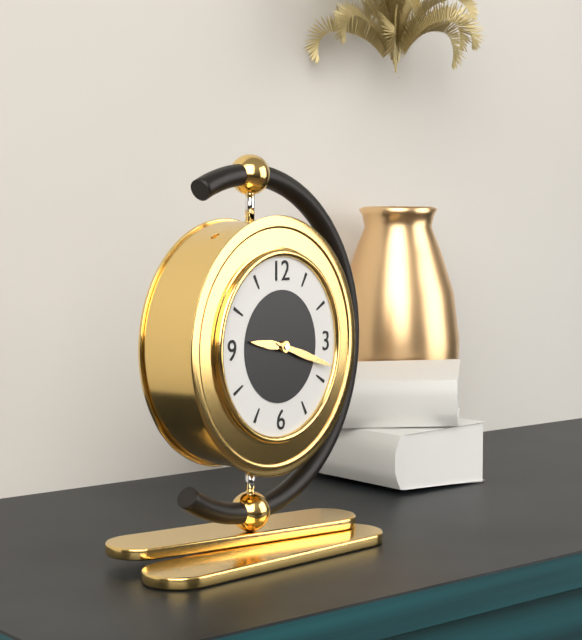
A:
9 h 18 min
